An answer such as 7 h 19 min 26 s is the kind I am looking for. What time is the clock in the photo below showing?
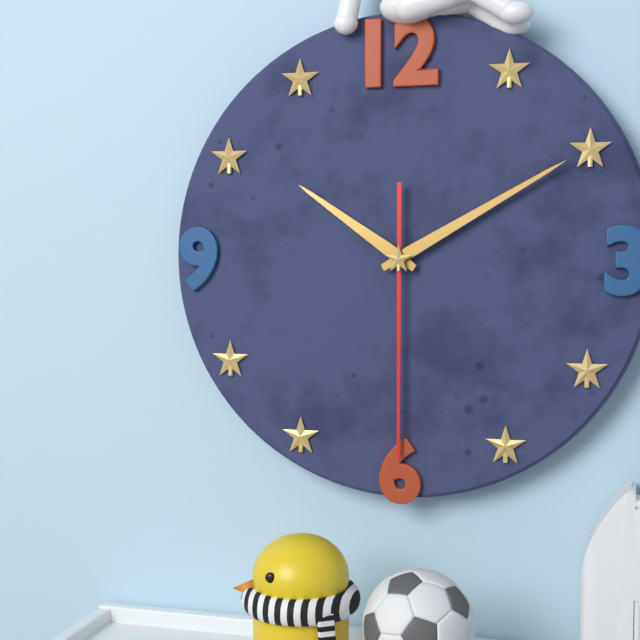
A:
10 h 10 min 30 s
